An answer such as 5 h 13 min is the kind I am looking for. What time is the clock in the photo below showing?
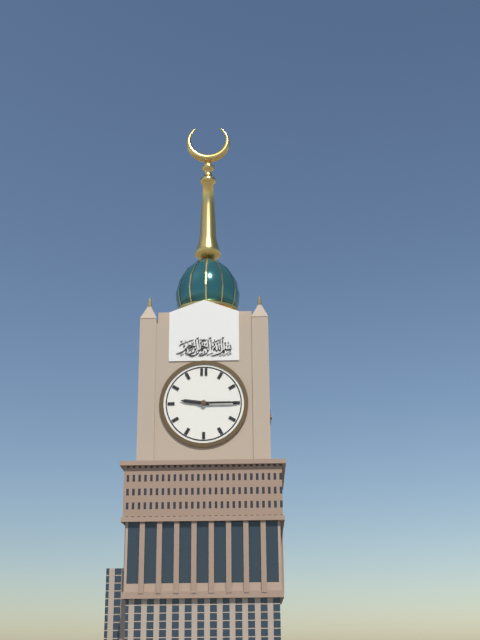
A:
9 h 15 min
